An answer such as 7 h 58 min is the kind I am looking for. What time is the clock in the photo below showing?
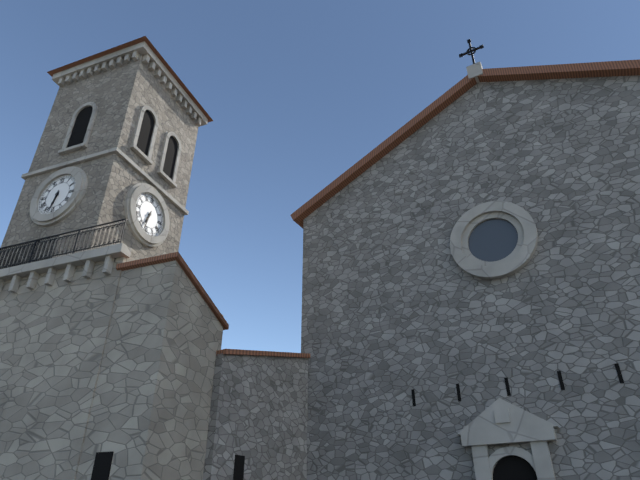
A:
6 h 32 min
